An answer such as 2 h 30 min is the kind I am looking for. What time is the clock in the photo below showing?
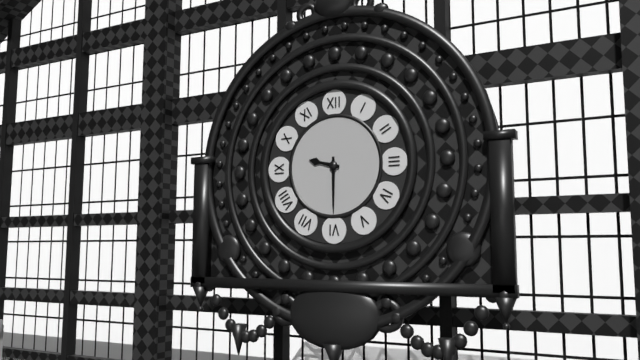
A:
9 h 30 min
